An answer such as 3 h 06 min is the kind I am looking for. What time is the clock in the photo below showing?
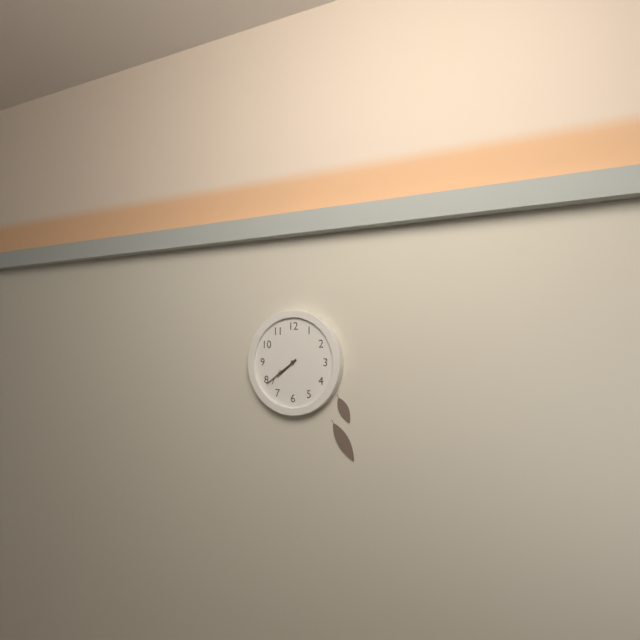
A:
7 h 39 min
